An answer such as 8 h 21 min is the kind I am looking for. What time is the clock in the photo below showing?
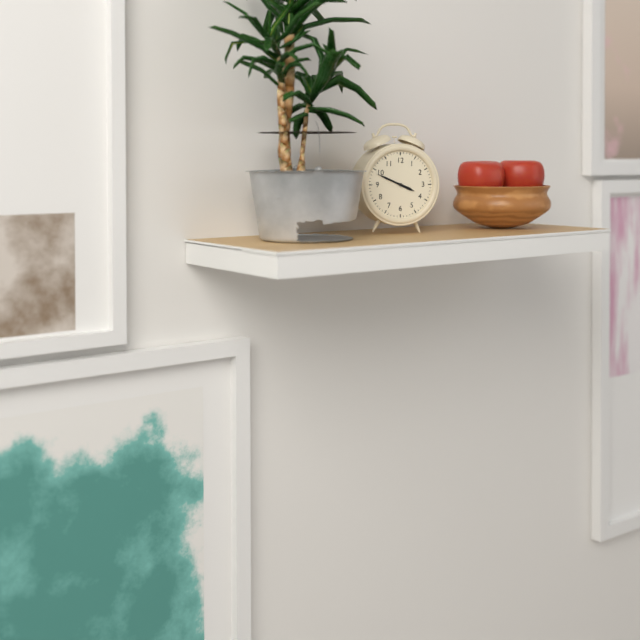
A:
3 h 49 min
